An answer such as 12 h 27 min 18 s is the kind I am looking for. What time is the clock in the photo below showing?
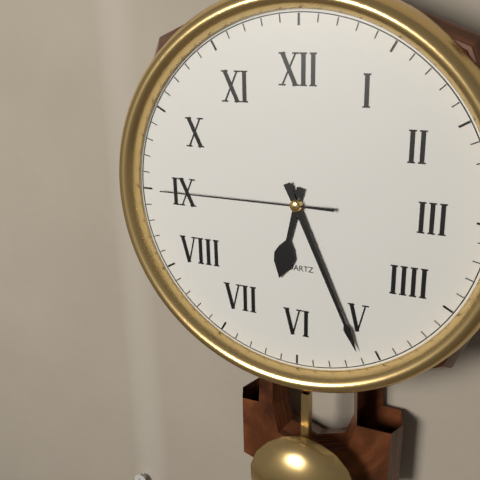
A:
6 h 26 min 45 s
